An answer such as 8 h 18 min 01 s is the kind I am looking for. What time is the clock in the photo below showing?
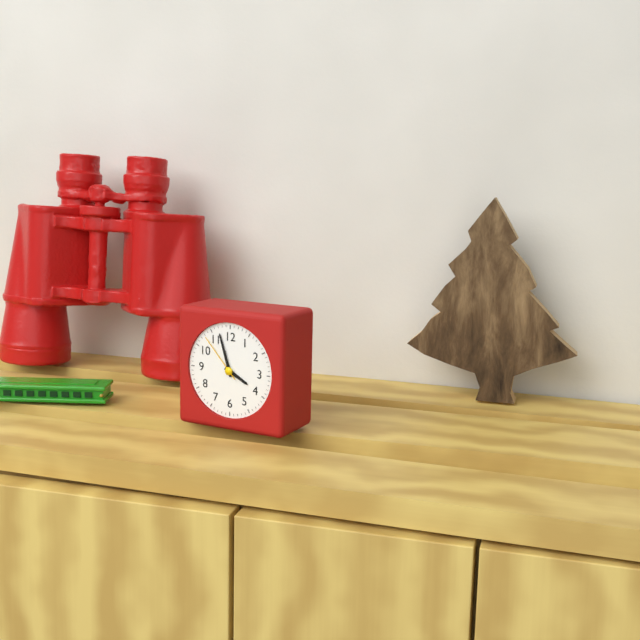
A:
3 h 57 min 53 s
